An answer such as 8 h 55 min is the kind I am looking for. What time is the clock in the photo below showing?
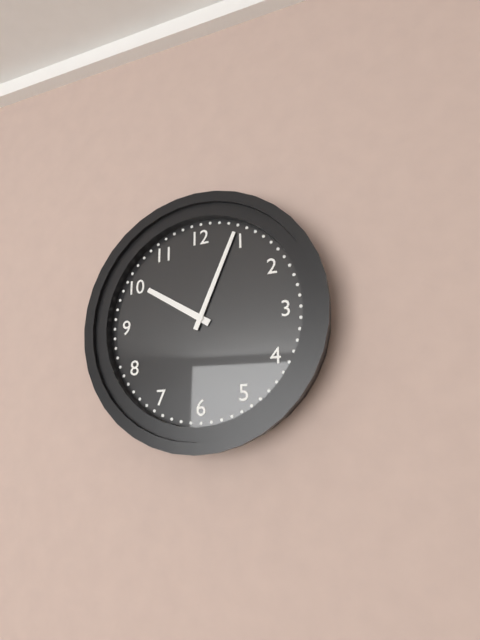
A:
10 h 04 min
